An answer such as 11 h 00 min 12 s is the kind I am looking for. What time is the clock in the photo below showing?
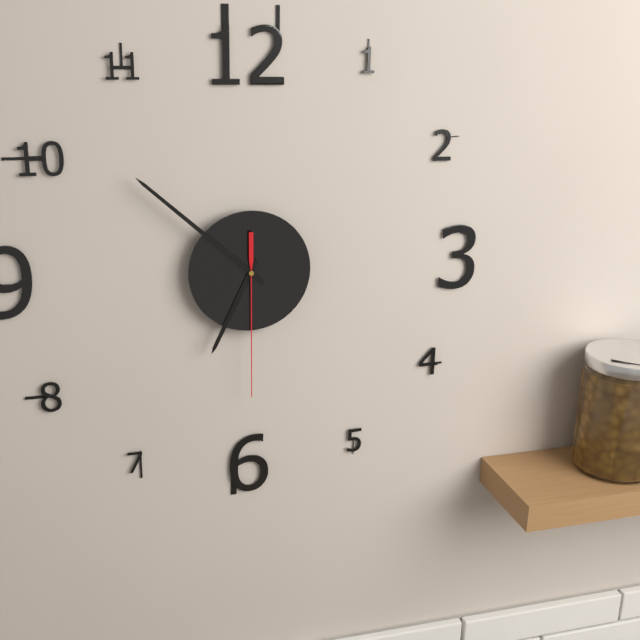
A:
6 h 52 min 30 s
